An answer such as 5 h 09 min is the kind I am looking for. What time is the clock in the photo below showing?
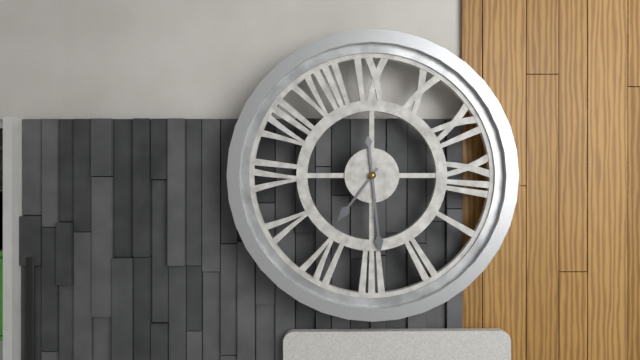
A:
4 h 14 min
